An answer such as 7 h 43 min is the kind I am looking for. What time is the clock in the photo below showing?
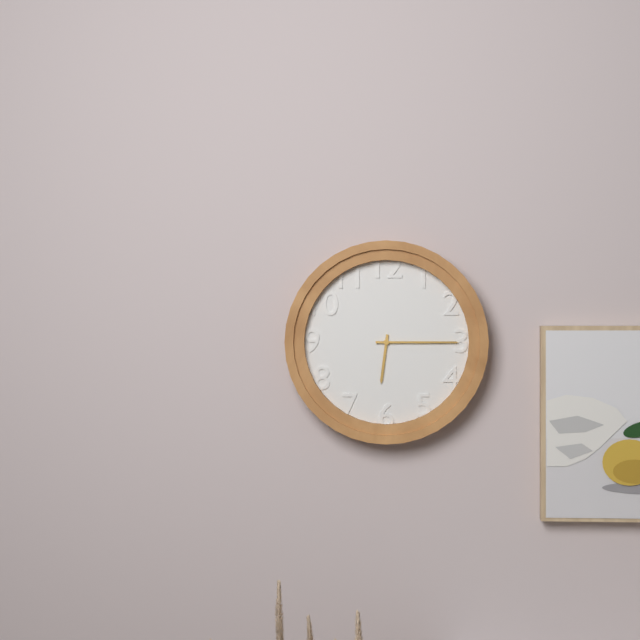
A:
6 h 15 min
